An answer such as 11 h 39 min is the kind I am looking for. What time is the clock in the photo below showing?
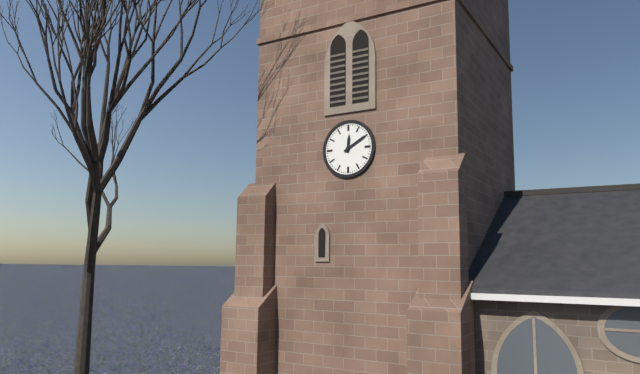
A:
12 h 10 min
